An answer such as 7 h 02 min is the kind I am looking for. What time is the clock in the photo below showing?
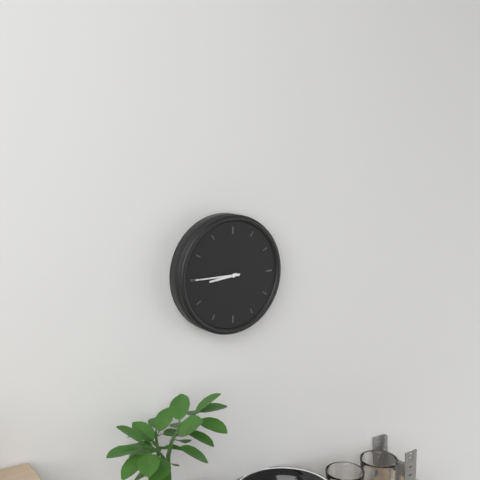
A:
8 h 45 min
